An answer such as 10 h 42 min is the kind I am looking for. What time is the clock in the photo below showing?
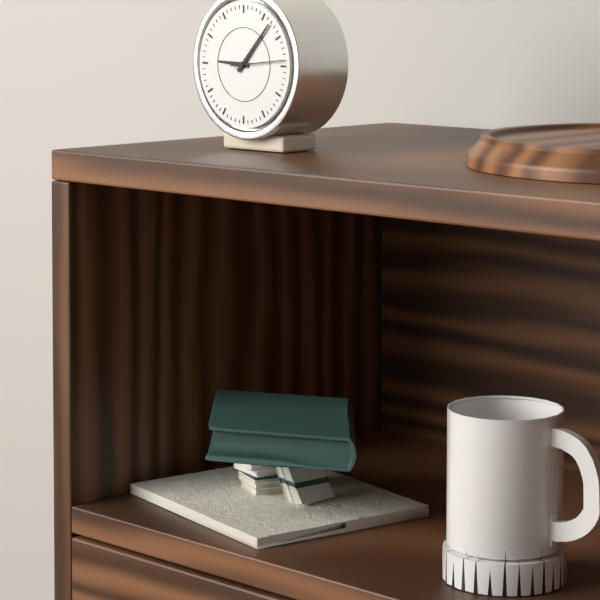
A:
9 h 07 min
